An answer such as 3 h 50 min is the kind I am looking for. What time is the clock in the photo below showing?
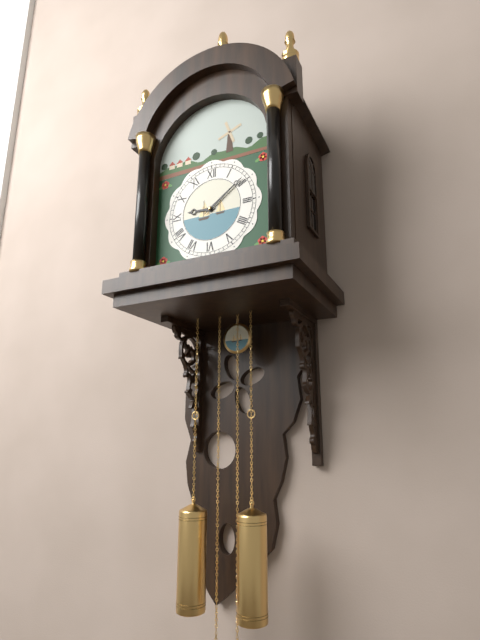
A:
9 h 09 min
